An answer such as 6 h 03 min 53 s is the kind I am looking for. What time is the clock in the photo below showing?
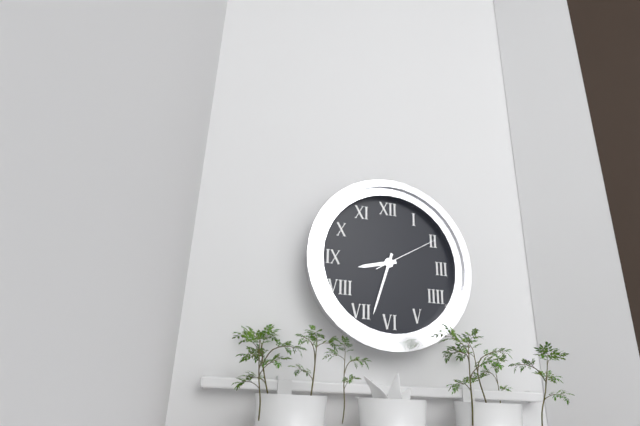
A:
8 h 33 min 10 s
